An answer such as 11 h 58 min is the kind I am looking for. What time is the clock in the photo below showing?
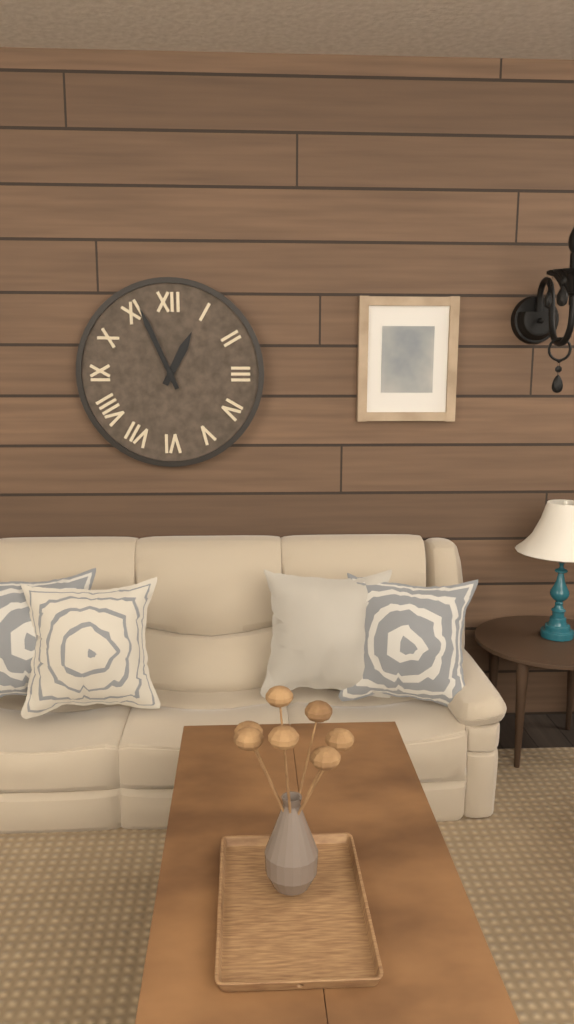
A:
12 h 56 min
